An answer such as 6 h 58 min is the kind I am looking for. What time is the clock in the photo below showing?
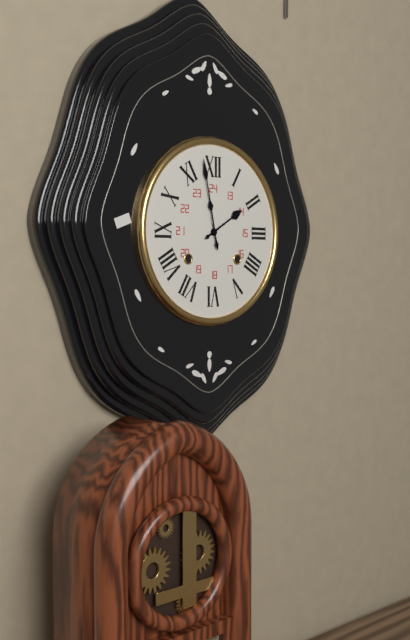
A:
1 h 58 min
